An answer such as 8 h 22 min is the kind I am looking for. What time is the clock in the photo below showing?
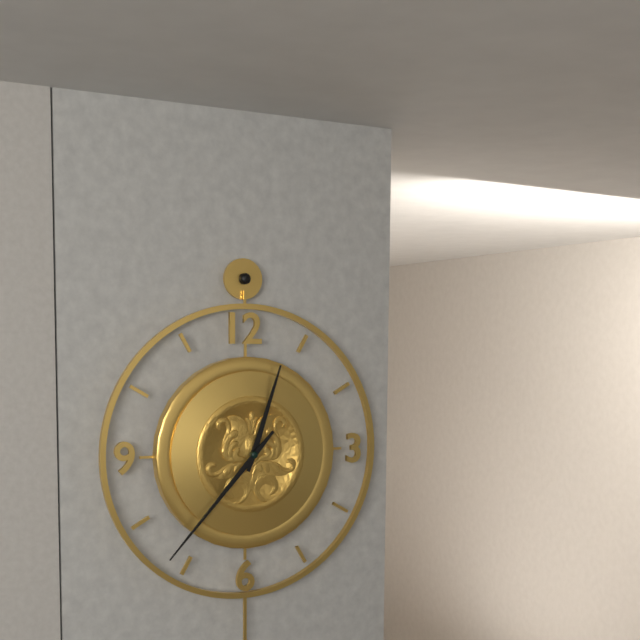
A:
12 h 37 min
